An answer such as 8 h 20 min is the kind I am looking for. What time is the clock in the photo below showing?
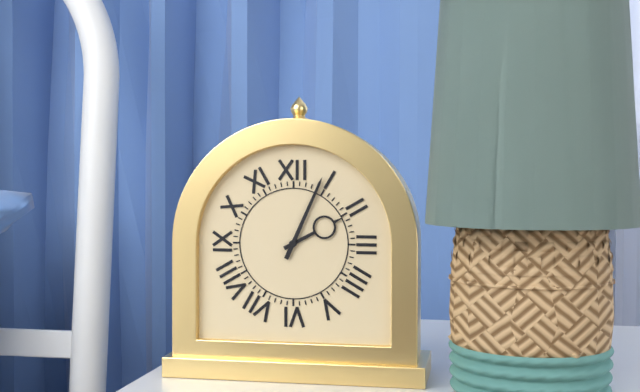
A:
2 h 04 min
